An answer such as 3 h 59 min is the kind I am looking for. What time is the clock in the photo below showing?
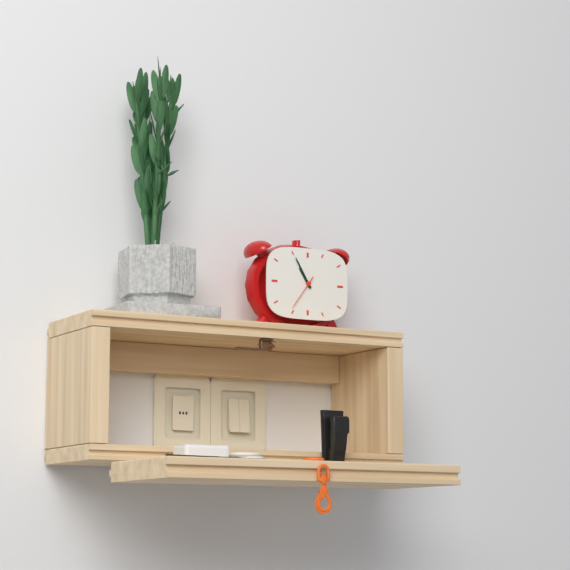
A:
10 h 55 min
